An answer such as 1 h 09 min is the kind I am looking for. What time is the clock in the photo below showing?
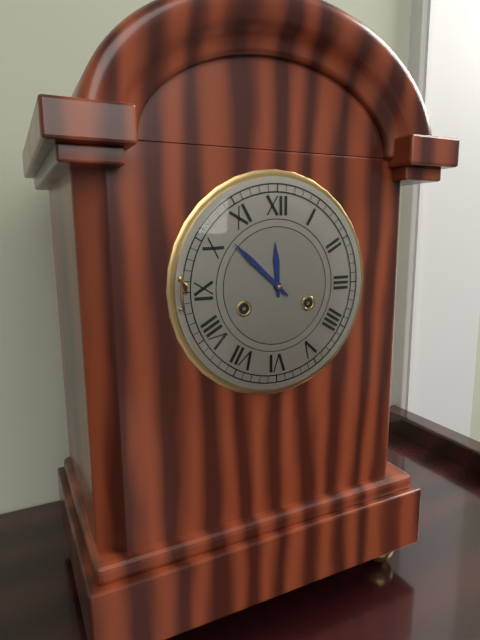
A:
11 h 52 min
